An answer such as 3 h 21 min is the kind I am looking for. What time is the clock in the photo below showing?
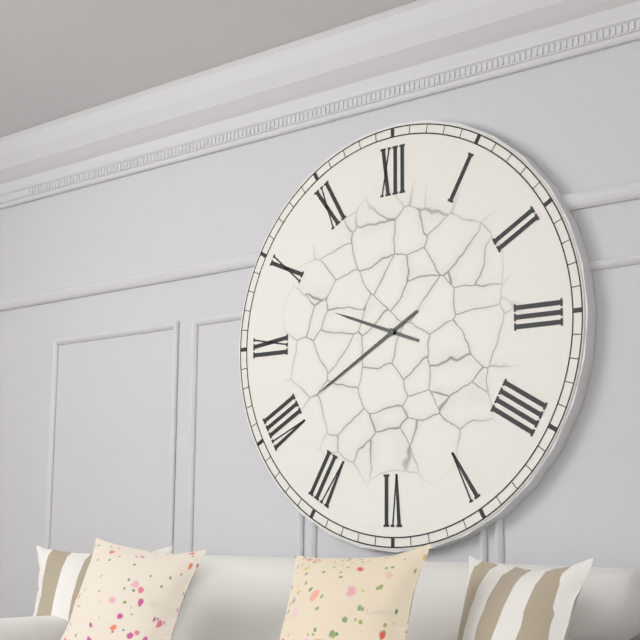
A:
9 h 40 min
